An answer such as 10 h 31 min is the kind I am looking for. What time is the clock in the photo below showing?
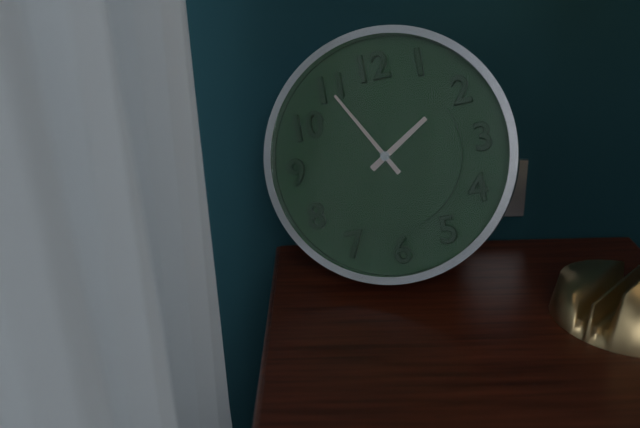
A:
1 h 55 min
